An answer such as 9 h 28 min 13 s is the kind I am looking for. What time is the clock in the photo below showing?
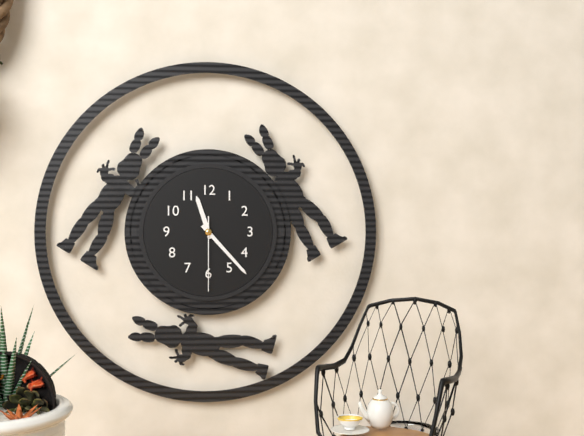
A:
11 h 23 min 30 s
